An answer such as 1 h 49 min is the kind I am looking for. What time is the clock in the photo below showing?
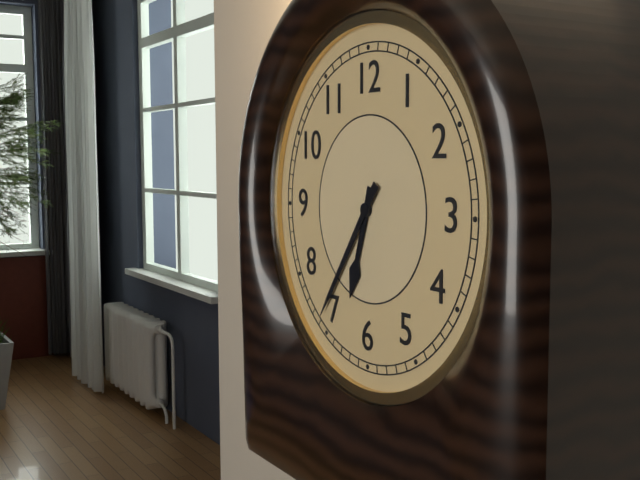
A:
6 h 36 min
